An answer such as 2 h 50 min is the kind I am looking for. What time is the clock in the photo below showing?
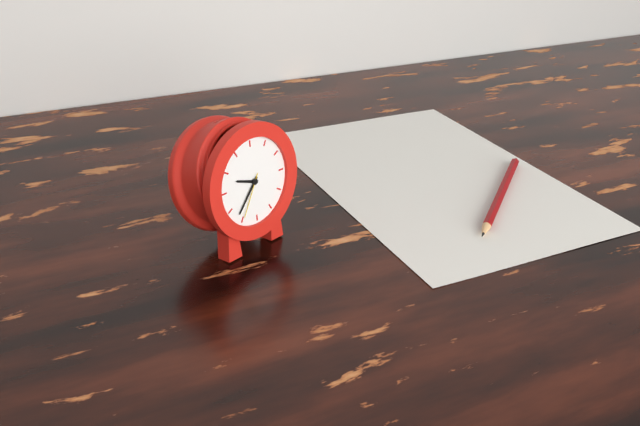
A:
9 h 37 min
